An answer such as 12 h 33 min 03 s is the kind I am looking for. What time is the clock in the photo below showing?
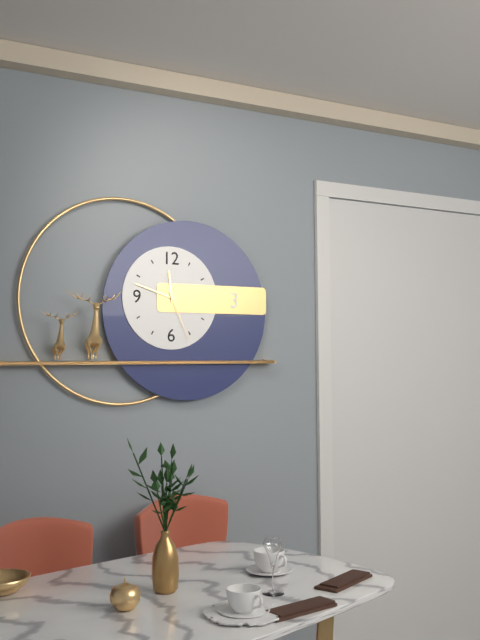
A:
11 h 48 min 26 s
